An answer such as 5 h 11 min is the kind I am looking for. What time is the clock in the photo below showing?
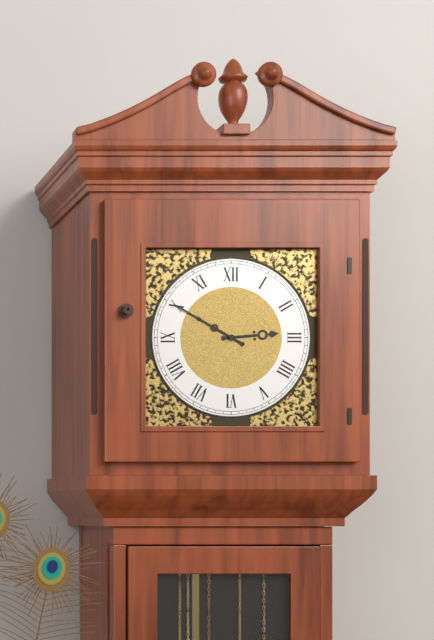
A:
2 h 50 min
